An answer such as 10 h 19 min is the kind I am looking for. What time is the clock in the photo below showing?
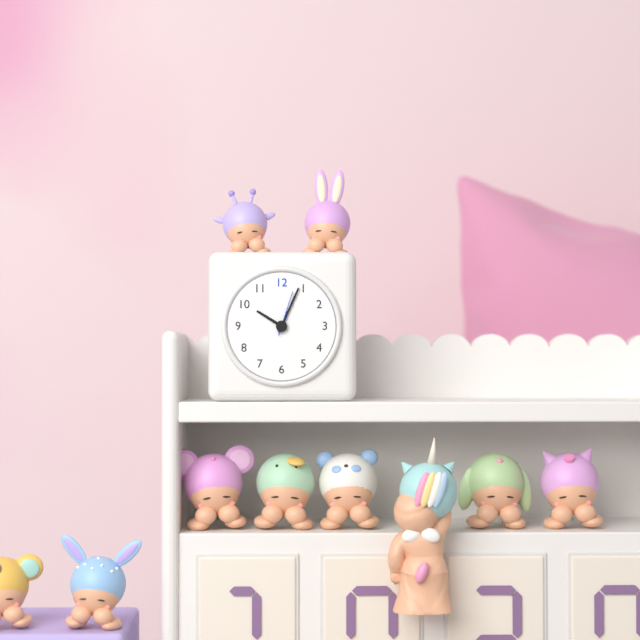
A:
10 h 04 min
